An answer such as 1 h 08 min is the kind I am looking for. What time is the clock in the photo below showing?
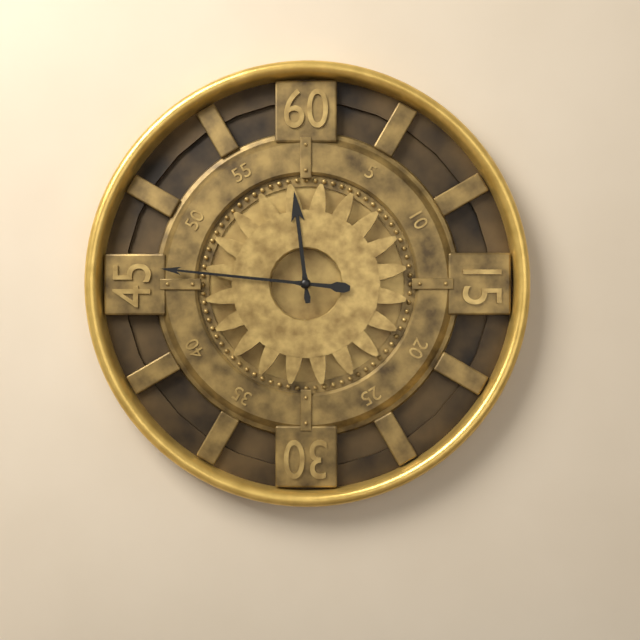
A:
11 h 46 min
